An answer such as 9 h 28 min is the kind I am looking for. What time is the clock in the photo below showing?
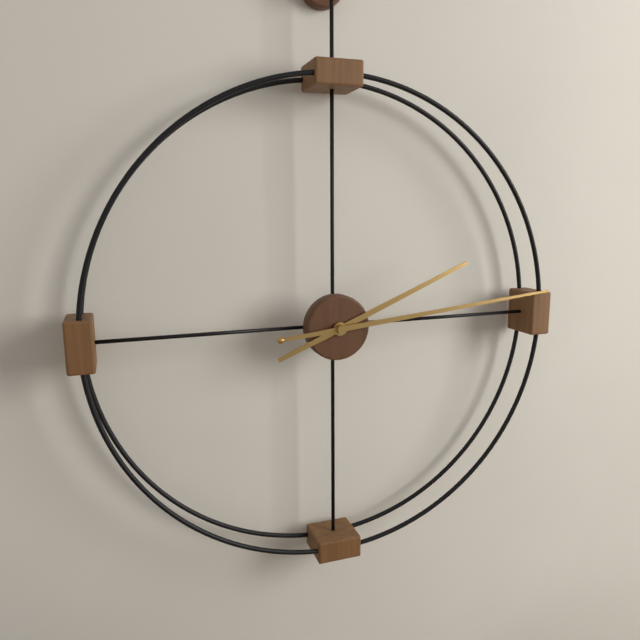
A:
2 h 14 min
